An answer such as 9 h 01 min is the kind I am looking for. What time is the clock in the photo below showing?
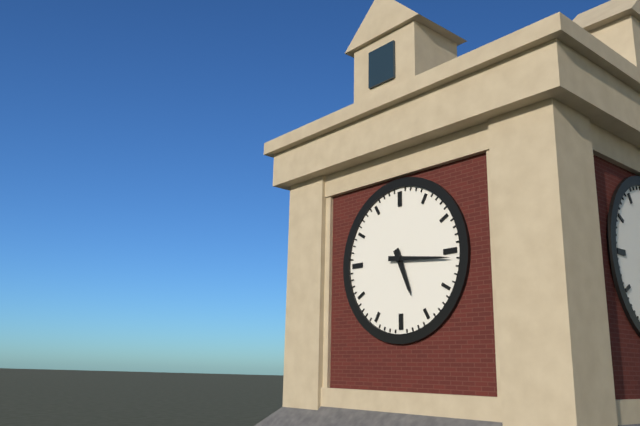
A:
5 h 16 min
